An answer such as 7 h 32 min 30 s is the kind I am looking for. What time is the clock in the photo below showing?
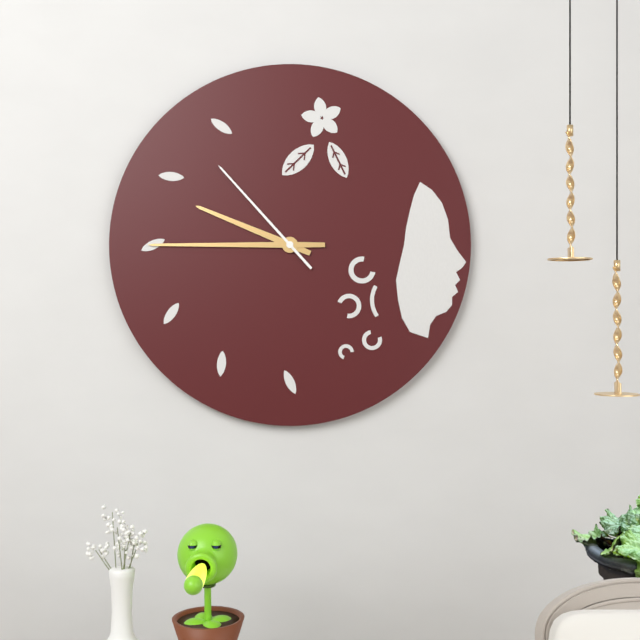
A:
9 h 45 min 53 s
